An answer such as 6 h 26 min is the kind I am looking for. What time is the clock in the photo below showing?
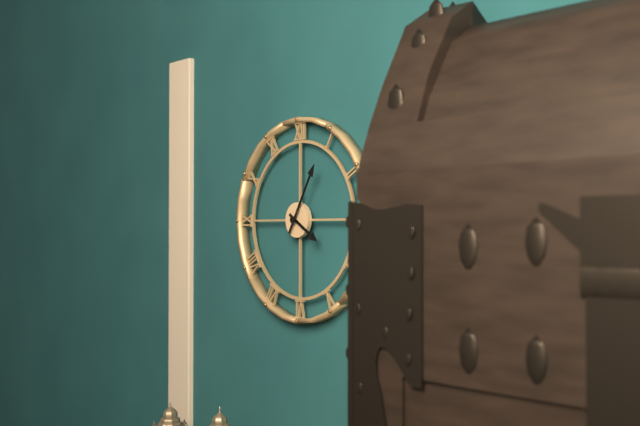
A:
4 h 05 min
